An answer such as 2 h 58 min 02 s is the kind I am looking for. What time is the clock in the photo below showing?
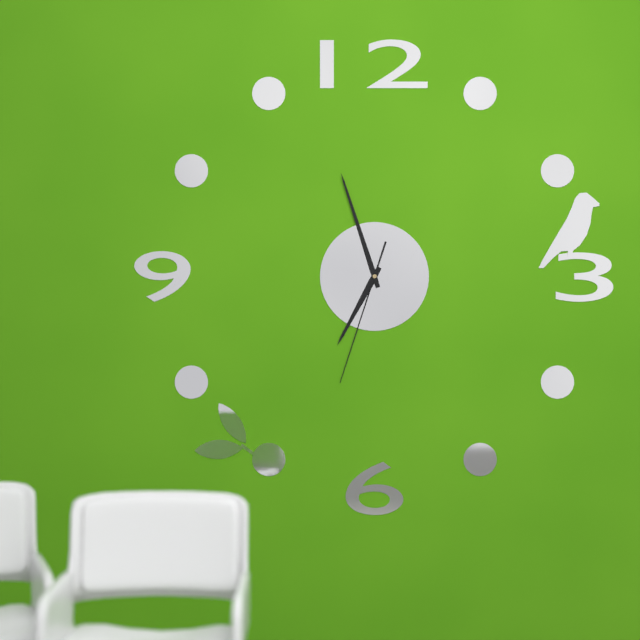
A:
6 h 57 min 33 s
